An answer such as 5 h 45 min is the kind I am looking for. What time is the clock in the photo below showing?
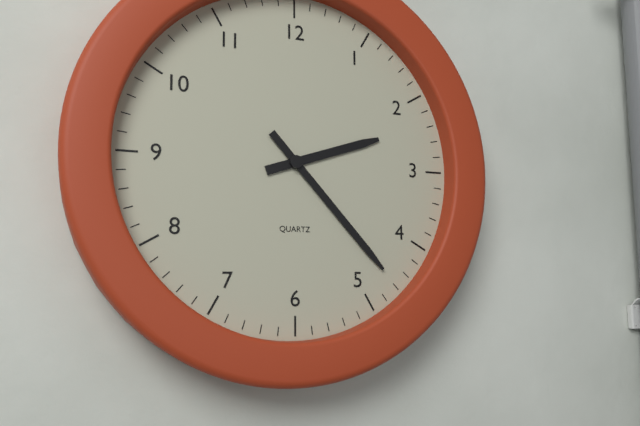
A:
2 h 23 min
